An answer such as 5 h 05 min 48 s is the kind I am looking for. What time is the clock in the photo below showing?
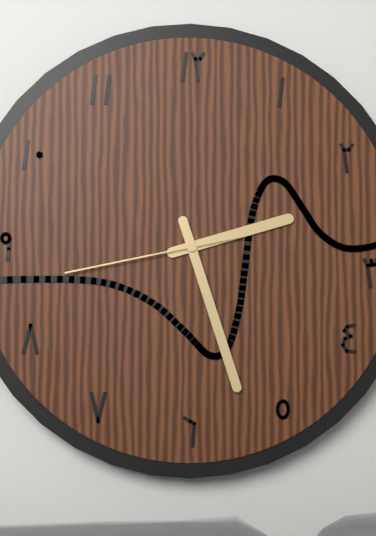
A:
2 h 27 min 43 s
